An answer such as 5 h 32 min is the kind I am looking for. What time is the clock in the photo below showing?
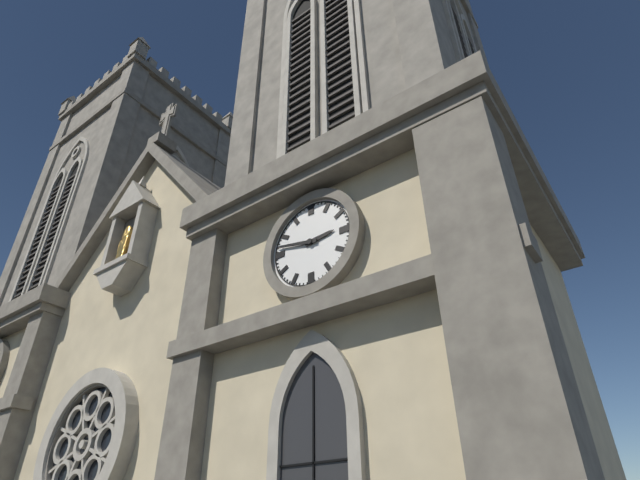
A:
2 h 47 min
